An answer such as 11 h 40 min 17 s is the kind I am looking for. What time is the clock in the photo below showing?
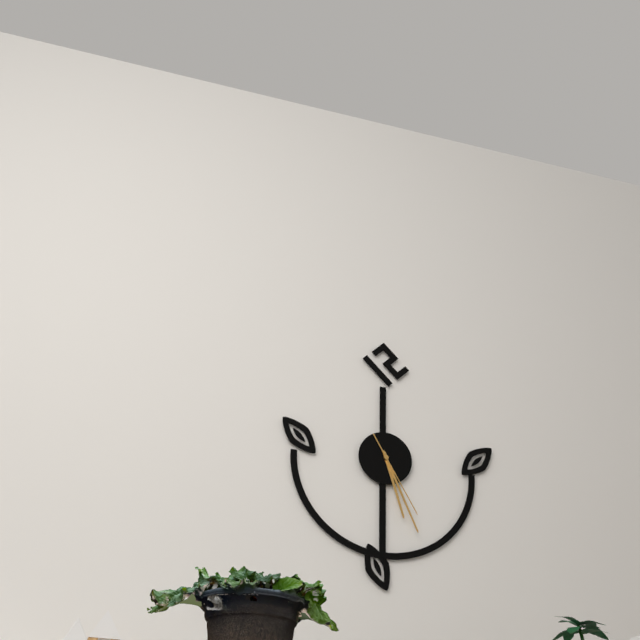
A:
5 h 26 min 25 s
